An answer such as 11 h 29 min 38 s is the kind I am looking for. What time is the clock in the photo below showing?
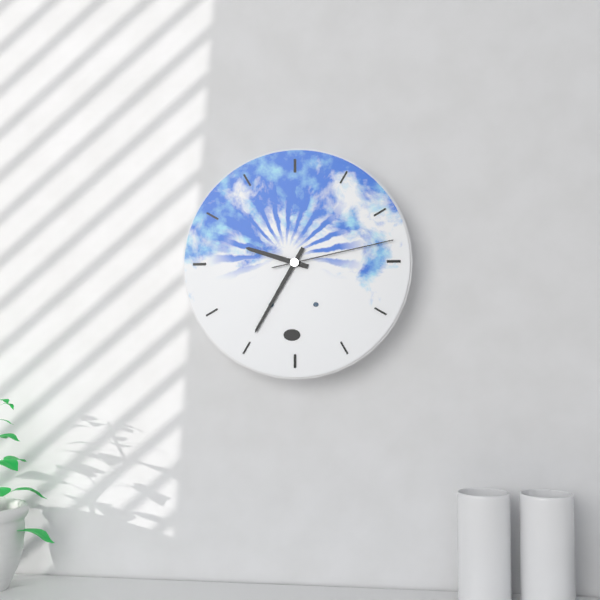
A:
9 h 35 min 13 s
